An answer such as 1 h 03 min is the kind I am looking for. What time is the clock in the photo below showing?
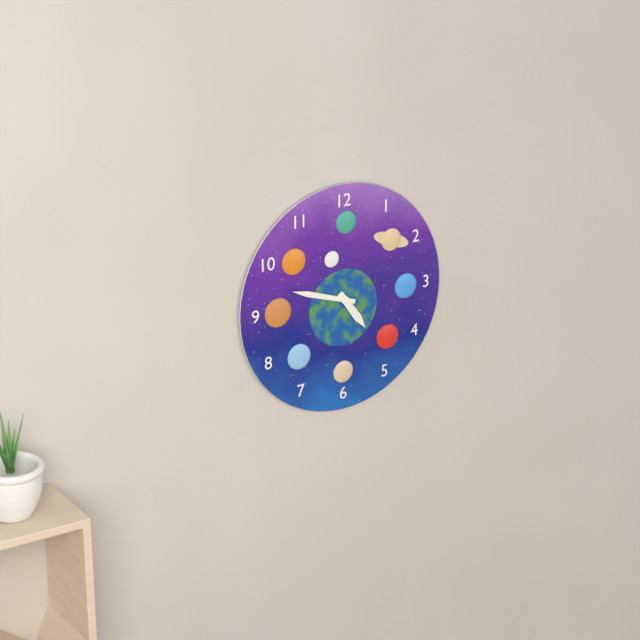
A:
4 h 48 min
